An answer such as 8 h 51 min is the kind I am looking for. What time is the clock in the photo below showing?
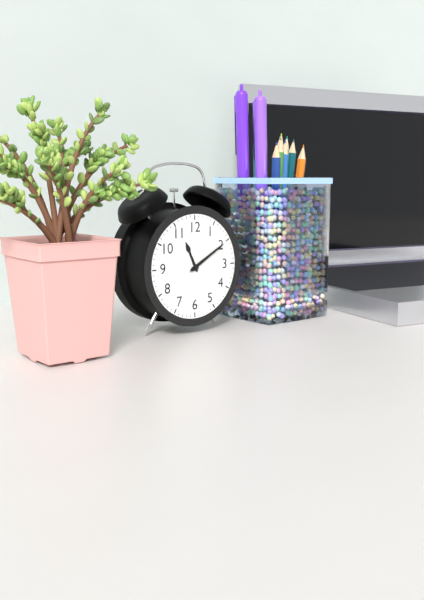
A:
11 h 10 min
